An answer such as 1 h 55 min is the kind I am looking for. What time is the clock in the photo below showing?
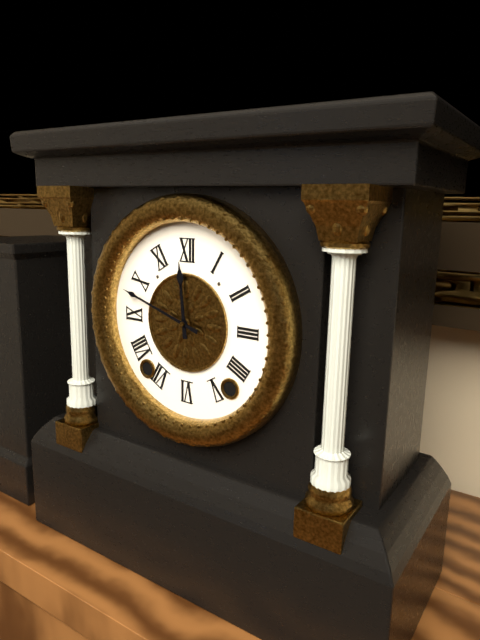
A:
11 h 48 min
